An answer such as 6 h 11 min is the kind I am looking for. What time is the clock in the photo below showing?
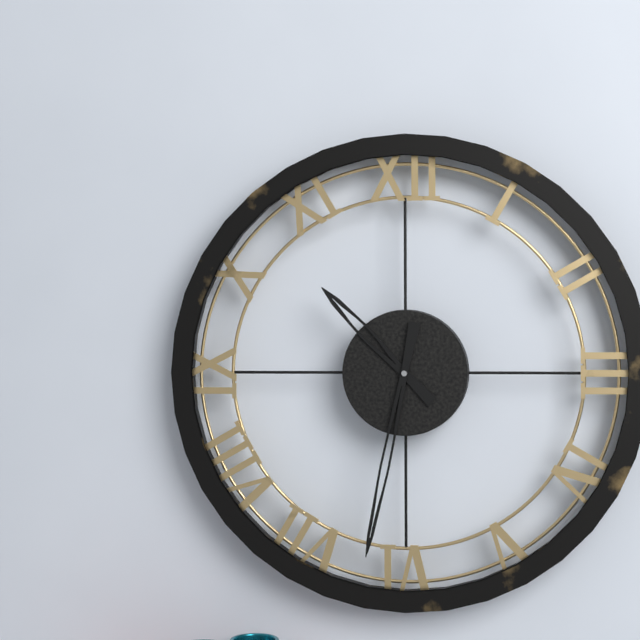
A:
10 h 32 min
